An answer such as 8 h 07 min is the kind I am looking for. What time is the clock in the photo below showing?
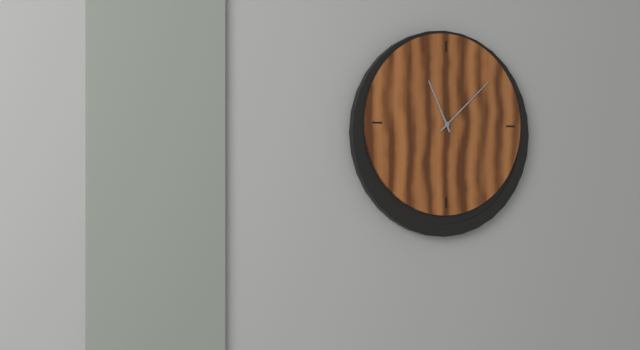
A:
11 h 08 min
